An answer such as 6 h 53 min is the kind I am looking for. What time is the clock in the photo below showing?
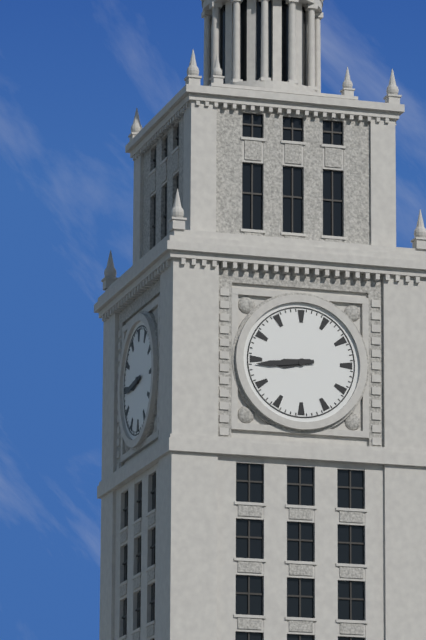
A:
8 h 44 min
